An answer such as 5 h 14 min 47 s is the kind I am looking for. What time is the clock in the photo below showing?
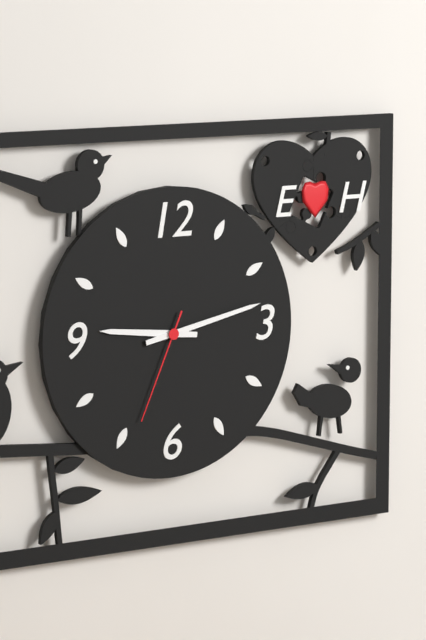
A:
9 h 13 min 34 s
